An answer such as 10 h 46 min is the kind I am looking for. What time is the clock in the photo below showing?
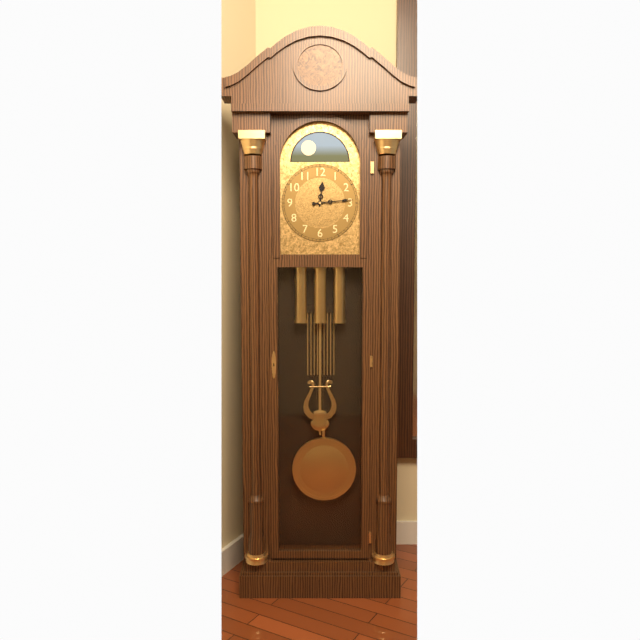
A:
12 h 14 min
